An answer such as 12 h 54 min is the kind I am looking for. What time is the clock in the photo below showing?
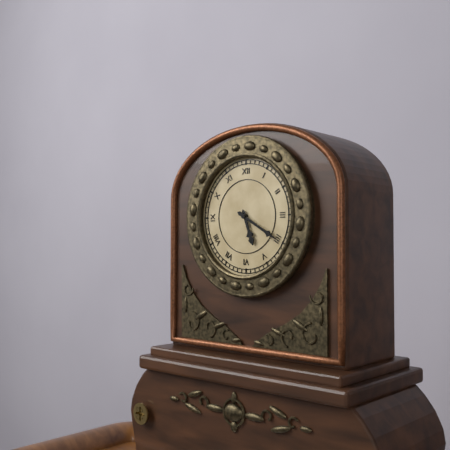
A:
5 h 20 min
